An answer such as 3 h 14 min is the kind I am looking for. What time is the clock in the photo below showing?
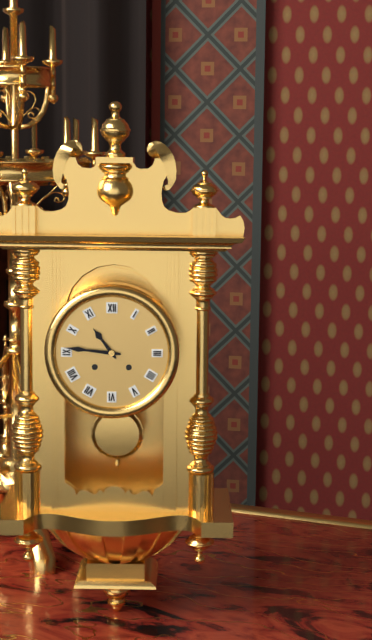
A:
10 h 46 min
